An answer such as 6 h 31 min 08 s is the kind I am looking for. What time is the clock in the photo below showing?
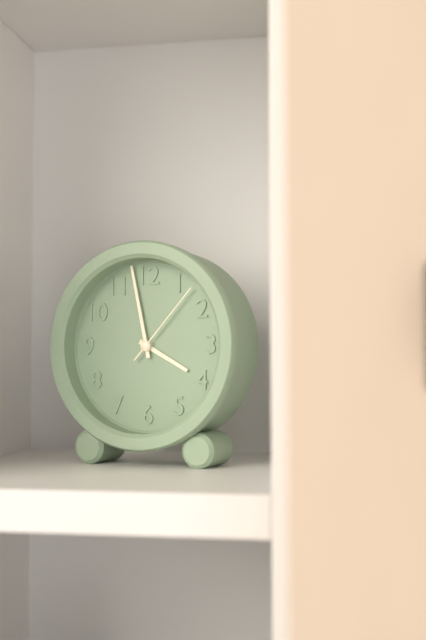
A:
3 h 58 min 07 s
